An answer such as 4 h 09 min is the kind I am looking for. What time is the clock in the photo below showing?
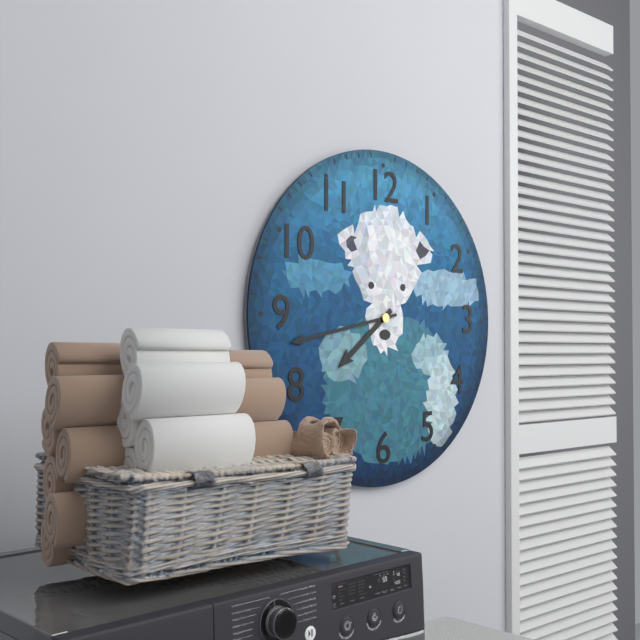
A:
7 h 43 min
